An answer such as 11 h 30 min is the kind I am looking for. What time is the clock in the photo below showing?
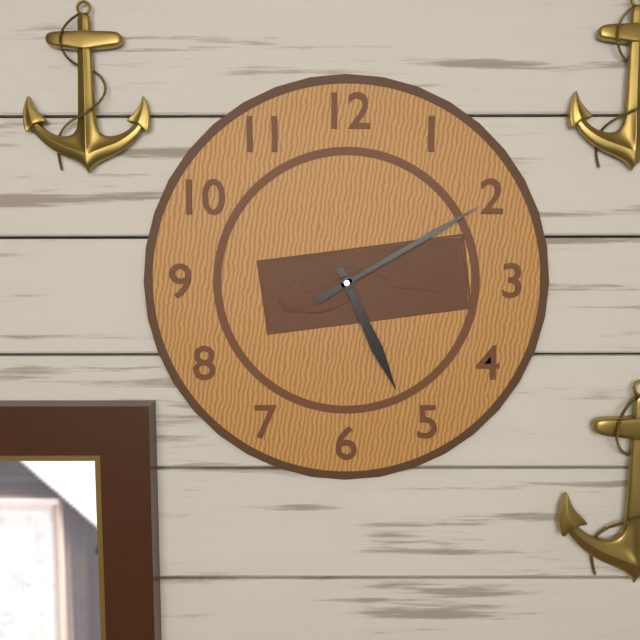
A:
5 h 10 min
